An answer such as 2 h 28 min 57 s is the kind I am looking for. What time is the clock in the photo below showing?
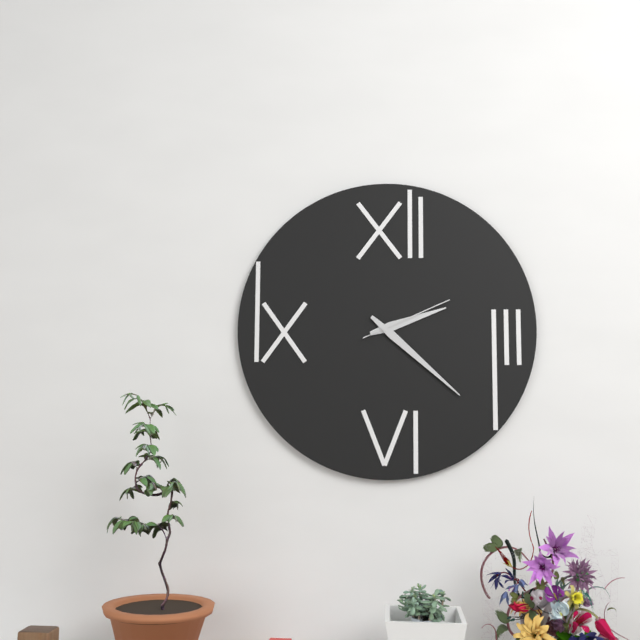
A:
2 h 22 min 11 s
